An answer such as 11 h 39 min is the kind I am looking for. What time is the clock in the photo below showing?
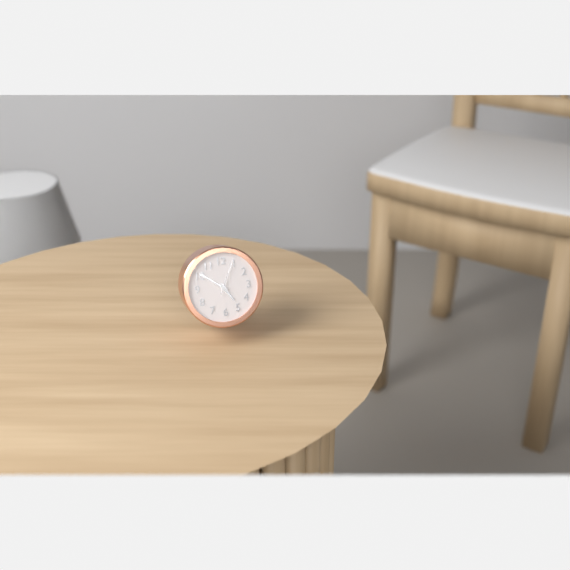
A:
4 h 51 min
